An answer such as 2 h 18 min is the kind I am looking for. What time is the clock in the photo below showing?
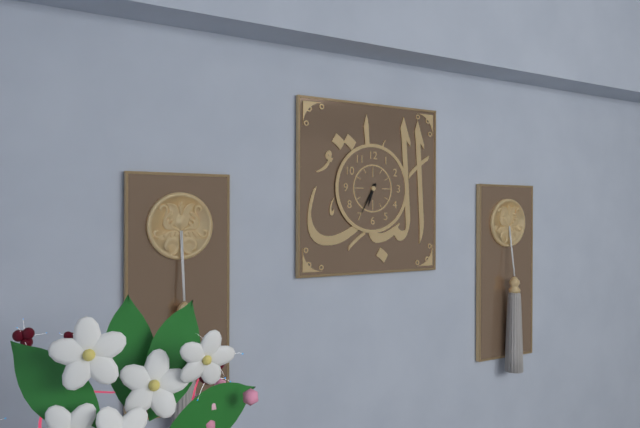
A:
6 h 35 min
